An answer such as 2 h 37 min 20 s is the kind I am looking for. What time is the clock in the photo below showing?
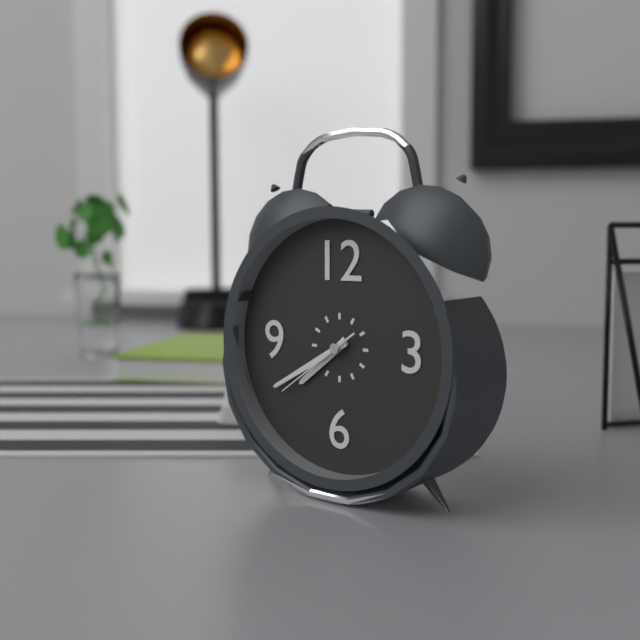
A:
7 h 40 min 39 s
